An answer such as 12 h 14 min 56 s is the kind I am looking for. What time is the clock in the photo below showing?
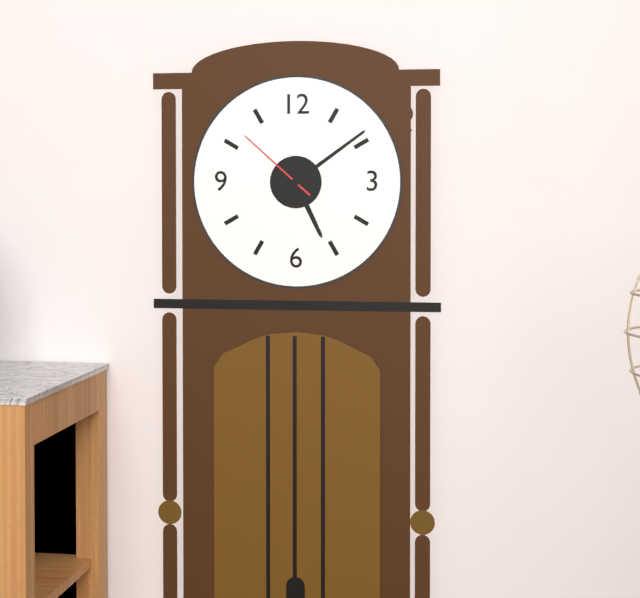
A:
5 h 09 min 52 s
